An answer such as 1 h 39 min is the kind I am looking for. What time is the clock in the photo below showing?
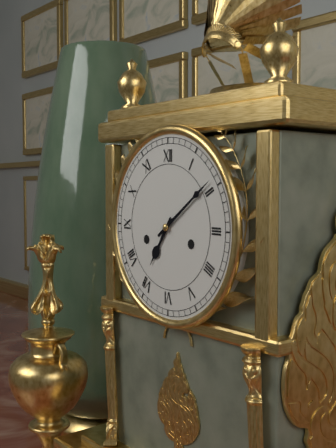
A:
7 h 09 min
